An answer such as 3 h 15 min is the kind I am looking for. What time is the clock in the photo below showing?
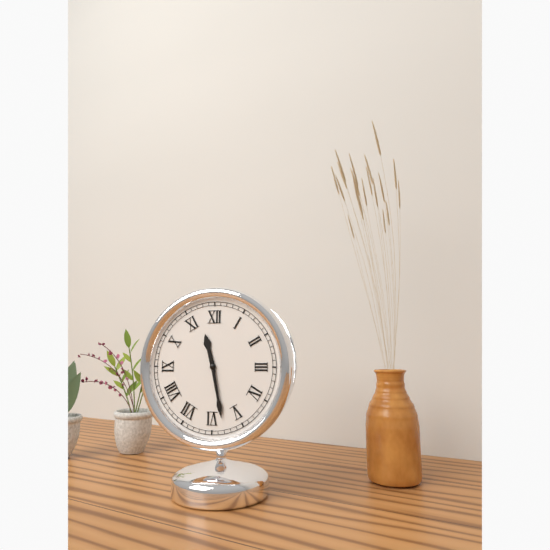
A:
11 h 28 min
